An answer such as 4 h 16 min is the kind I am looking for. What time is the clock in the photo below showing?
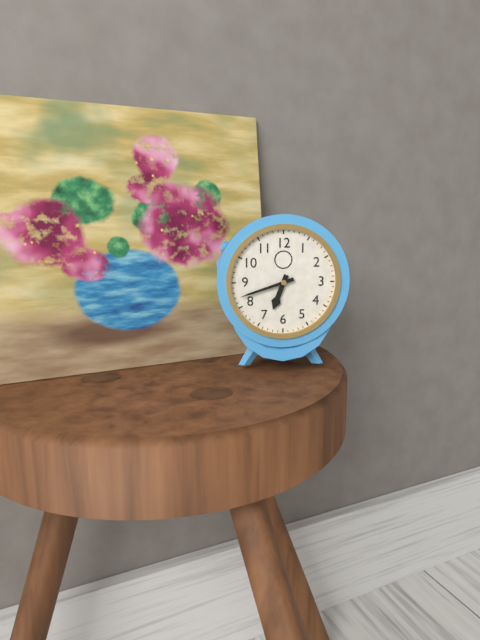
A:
6 h 42 min
